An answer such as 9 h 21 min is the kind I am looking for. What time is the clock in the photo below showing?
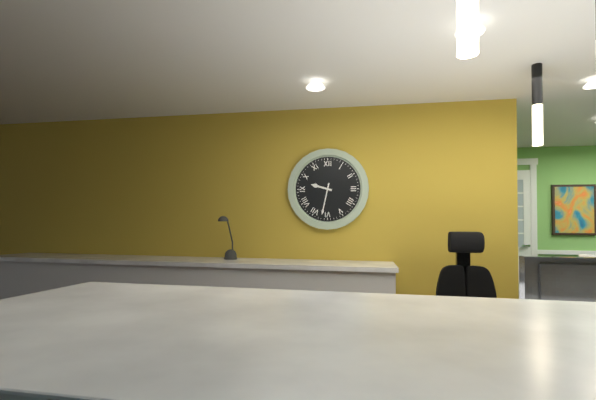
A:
9 h 32 min
